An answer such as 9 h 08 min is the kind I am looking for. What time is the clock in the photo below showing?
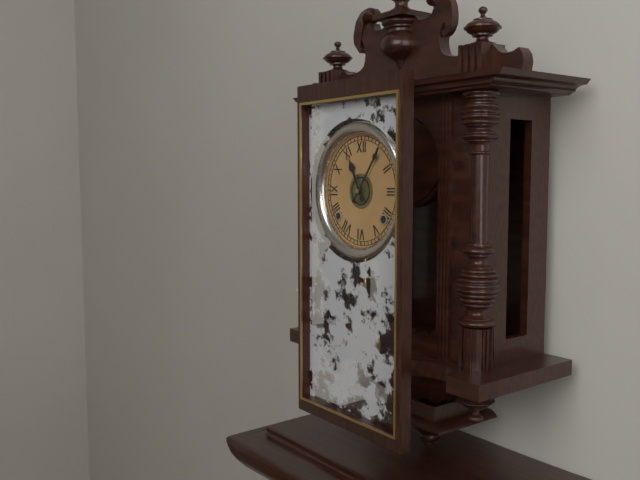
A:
11 h 06 min
